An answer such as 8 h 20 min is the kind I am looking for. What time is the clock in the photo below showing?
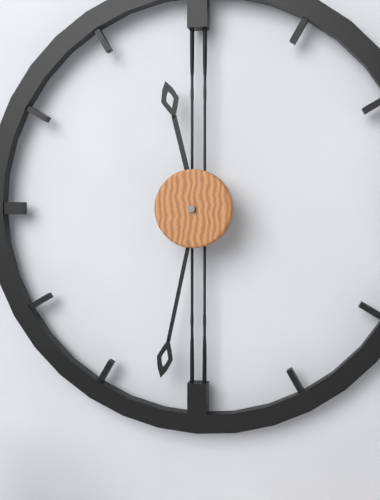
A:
11 h 32 min
